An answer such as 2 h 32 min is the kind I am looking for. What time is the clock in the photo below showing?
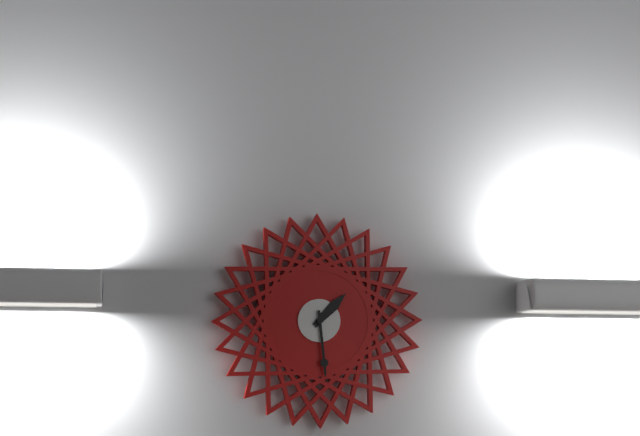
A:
1 h 29 min
